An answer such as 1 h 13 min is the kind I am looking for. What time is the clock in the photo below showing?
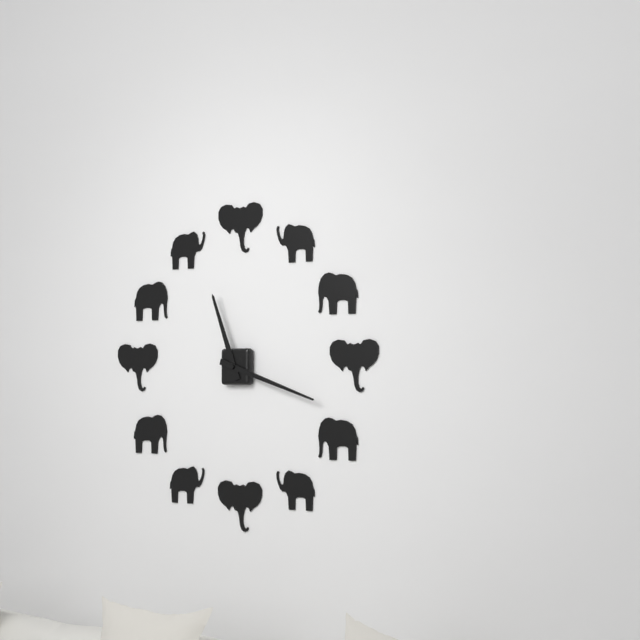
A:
11 h 18 min
